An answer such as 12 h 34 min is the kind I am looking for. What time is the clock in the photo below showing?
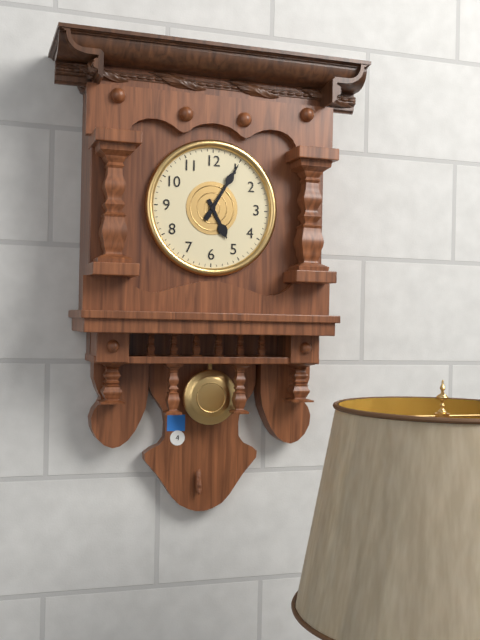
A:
5 h 05 min
